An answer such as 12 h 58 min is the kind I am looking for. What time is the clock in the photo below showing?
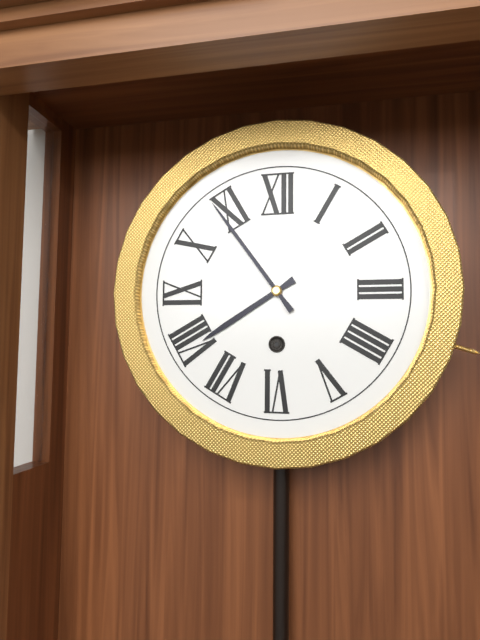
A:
7 h 54 min
